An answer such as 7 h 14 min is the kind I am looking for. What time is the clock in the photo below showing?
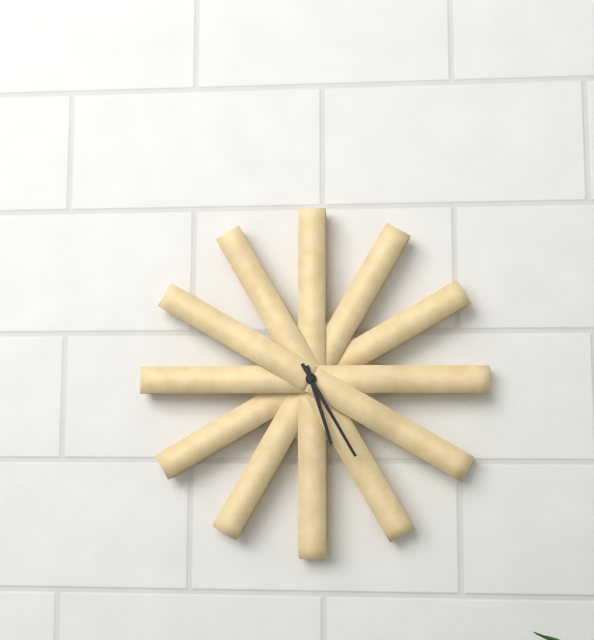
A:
5 h 25 min
